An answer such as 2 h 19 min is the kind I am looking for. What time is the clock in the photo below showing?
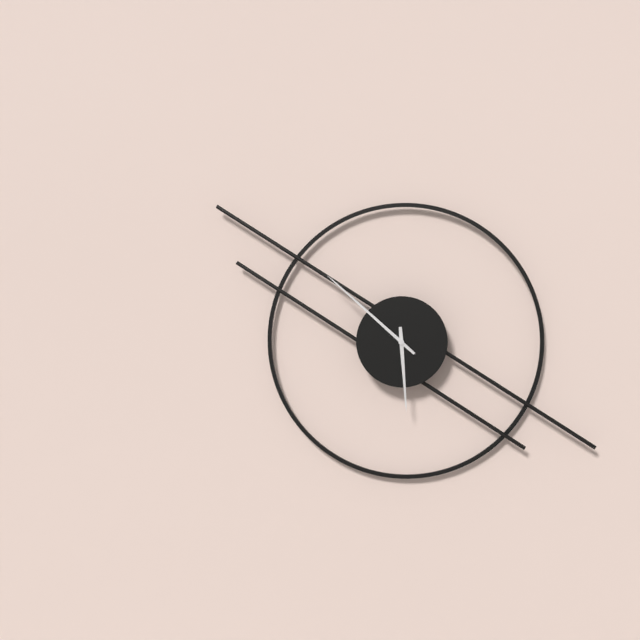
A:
5 h 52 min
